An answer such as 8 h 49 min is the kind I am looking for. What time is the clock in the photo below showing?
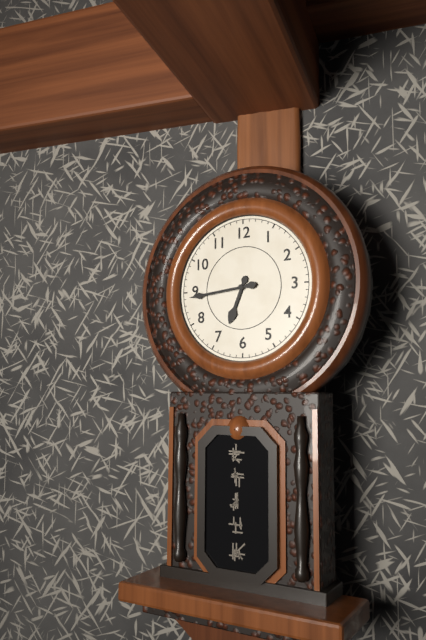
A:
6 h 44 min
